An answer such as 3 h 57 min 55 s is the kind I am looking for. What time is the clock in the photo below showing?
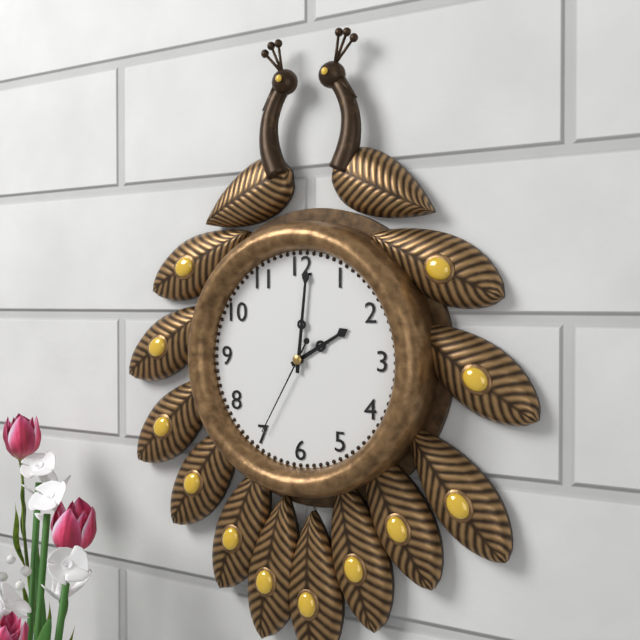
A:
2 h 01 min 35 s
